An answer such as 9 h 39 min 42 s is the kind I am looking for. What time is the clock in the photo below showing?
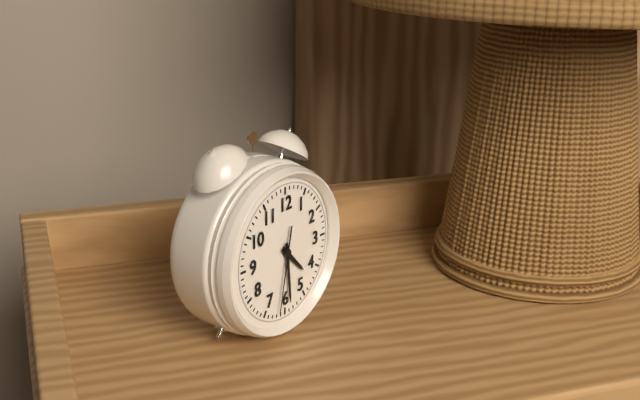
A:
4 h 29 min 32 s
